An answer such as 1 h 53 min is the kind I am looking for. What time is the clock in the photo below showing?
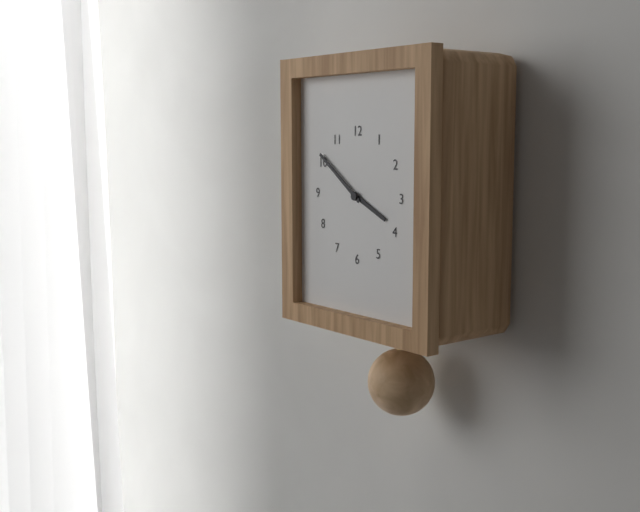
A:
3 h 51 min
